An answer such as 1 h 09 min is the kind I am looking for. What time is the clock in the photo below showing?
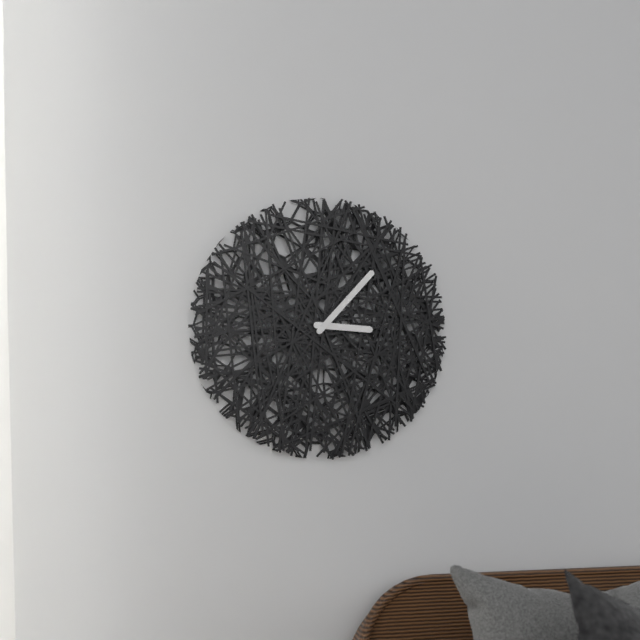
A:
3 h 07 min
